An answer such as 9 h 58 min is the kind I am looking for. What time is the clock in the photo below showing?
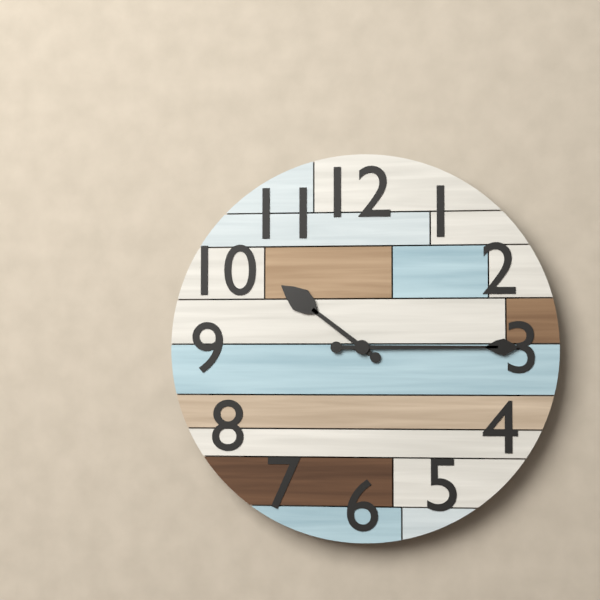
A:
10 h 15 min
